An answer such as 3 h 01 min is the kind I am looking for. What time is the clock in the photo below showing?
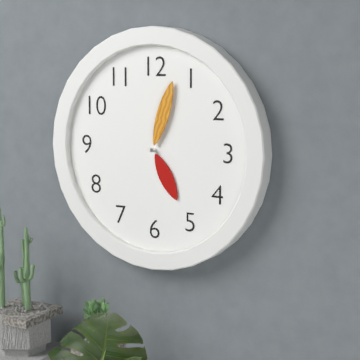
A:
5 h 03 min
